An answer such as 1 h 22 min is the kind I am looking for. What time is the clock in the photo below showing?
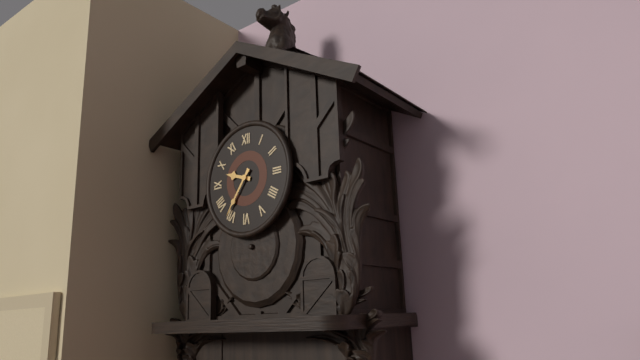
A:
9 h 36 min
